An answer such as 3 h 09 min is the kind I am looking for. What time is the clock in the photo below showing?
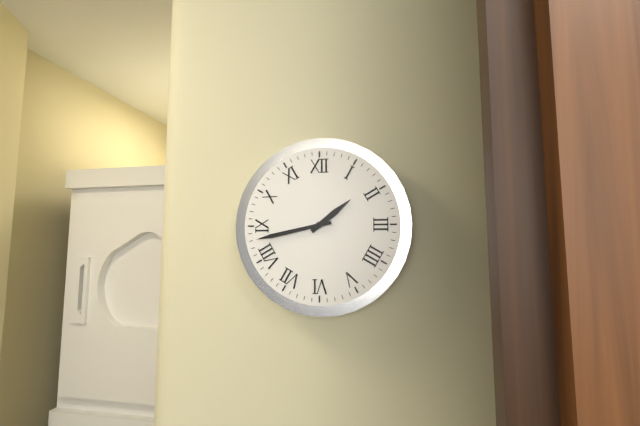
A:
1 h 43 min
